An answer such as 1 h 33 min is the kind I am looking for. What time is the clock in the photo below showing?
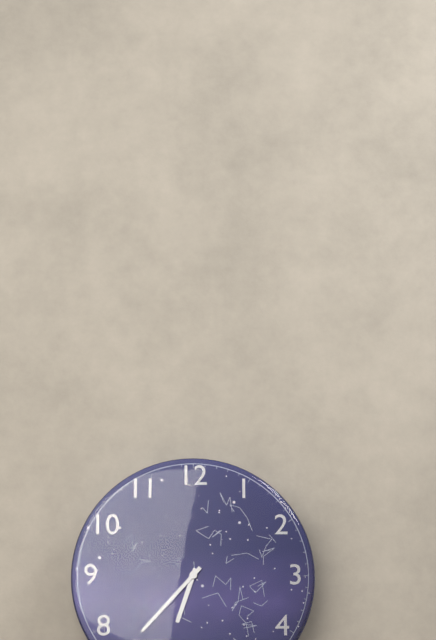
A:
6 h 37 min
